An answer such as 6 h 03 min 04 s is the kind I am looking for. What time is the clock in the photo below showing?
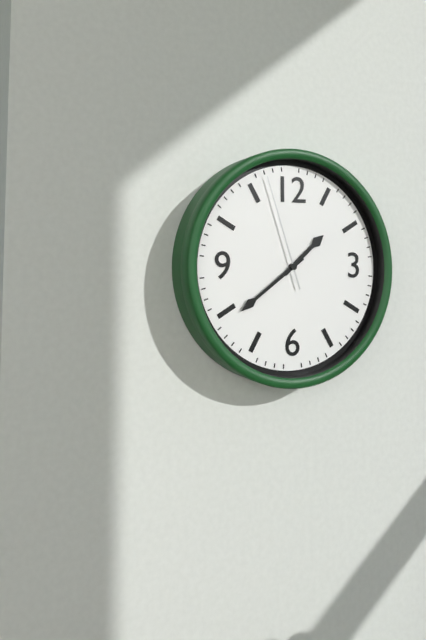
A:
1 h 39 min 57 s
